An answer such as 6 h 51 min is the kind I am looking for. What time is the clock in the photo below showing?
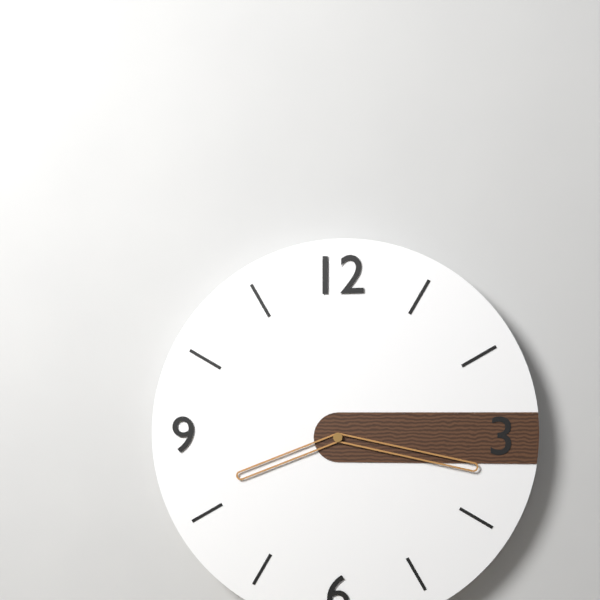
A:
8 h 17 min
